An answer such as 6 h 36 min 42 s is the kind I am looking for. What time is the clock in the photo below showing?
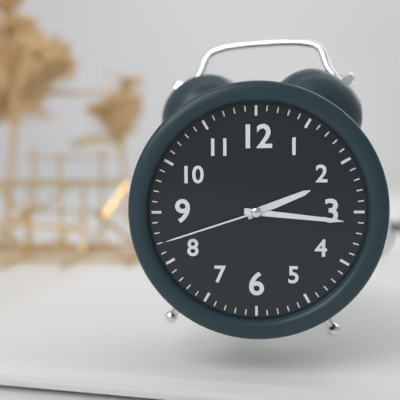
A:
2 h 16 min 42 s
